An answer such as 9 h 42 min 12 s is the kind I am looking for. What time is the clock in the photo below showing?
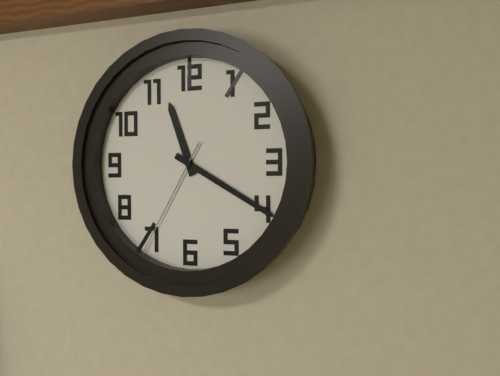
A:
11 h 20 min 35 s
